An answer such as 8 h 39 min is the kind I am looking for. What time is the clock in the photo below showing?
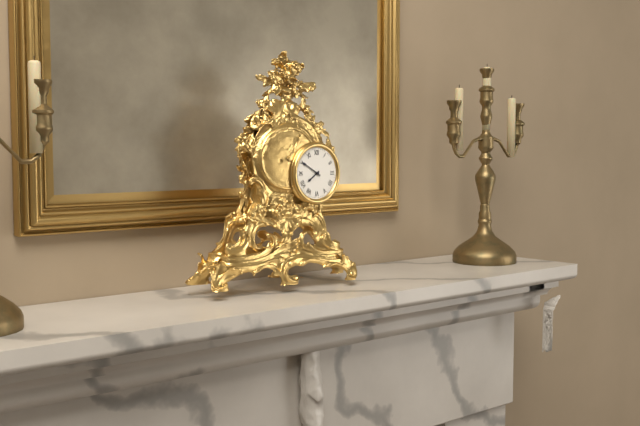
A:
7 h 50 min
